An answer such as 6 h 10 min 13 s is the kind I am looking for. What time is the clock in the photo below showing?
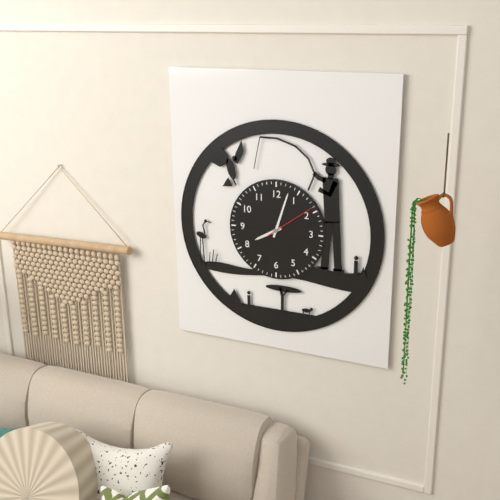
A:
8 h 03 min 09 s
